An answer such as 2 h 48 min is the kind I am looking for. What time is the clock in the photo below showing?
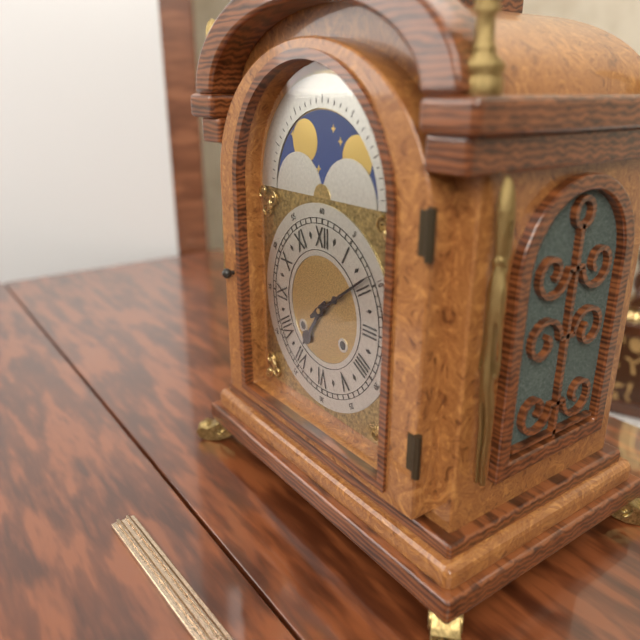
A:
7 h 09 min
